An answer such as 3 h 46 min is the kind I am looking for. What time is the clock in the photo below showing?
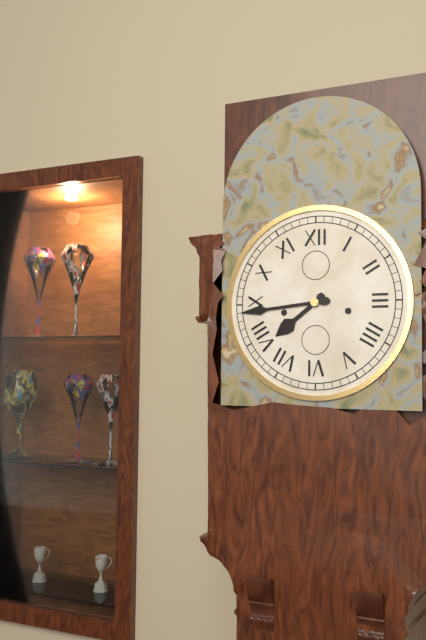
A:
7 h 44 min
